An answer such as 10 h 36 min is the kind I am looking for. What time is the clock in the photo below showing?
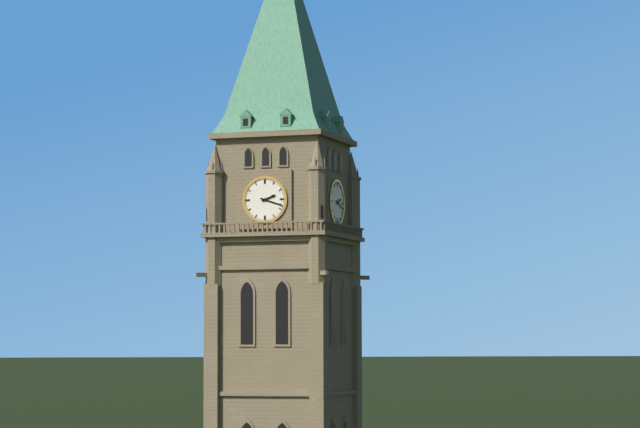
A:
2 h 18 min
